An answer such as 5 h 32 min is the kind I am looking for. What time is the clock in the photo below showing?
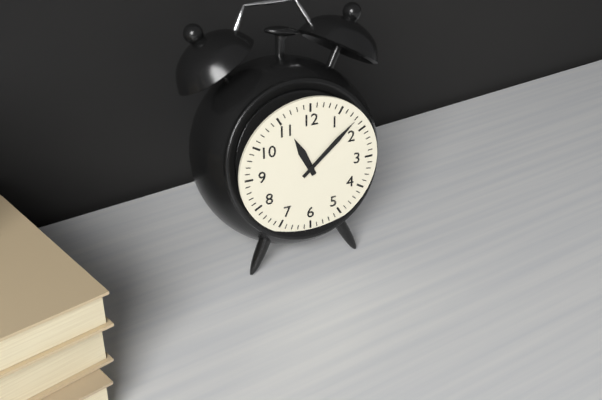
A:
11 h 08 min
